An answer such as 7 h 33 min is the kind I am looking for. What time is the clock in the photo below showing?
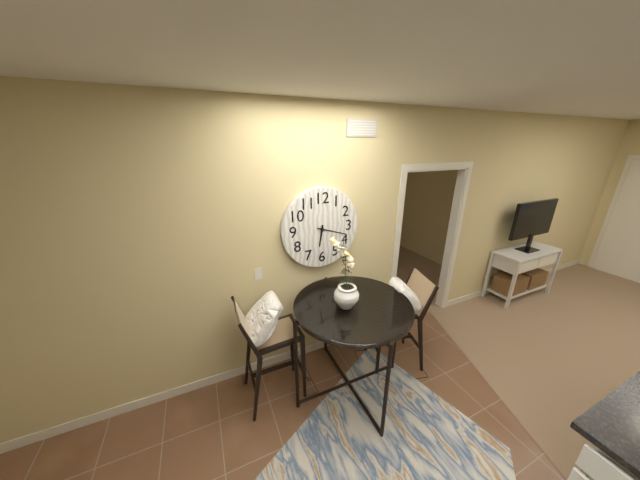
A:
6 h 18 min
